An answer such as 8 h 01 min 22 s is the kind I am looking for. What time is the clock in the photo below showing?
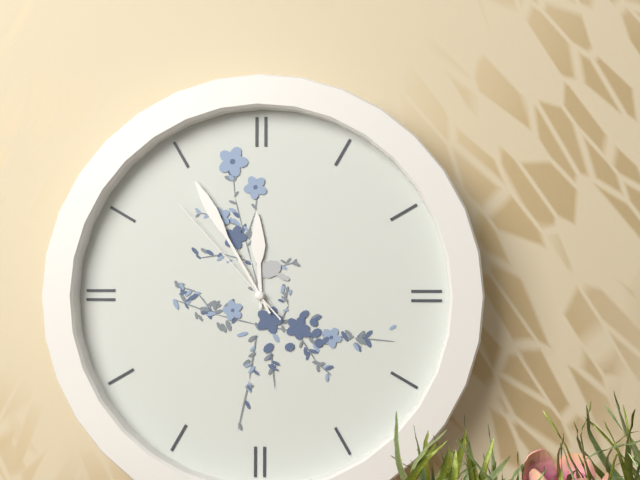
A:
11 h 55 min 53 s
